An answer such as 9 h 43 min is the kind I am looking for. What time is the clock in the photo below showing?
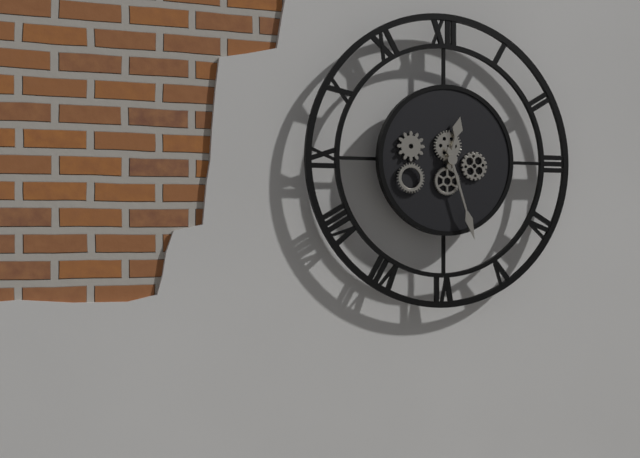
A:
12 h 27 min
